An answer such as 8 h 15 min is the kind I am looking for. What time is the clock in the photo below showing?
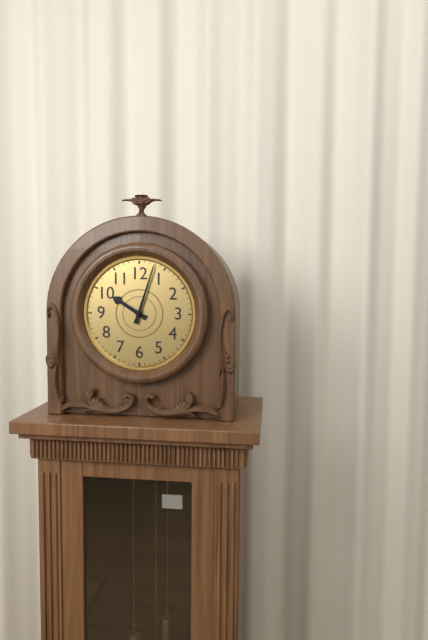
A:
10 h 03 min
